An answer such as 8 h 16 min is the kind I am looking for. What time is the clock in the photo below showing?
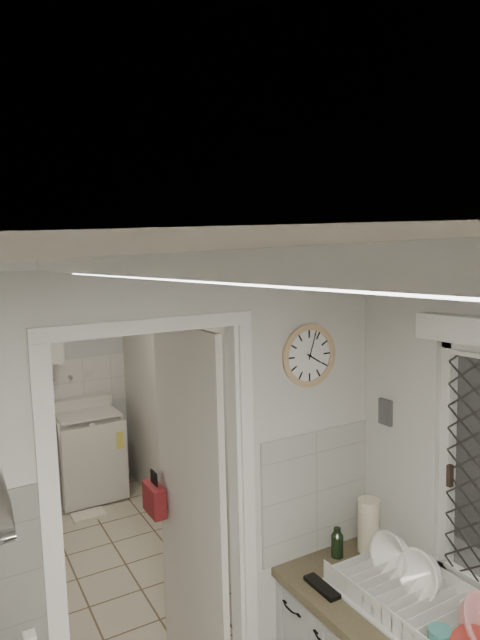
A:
4 h 03 min
